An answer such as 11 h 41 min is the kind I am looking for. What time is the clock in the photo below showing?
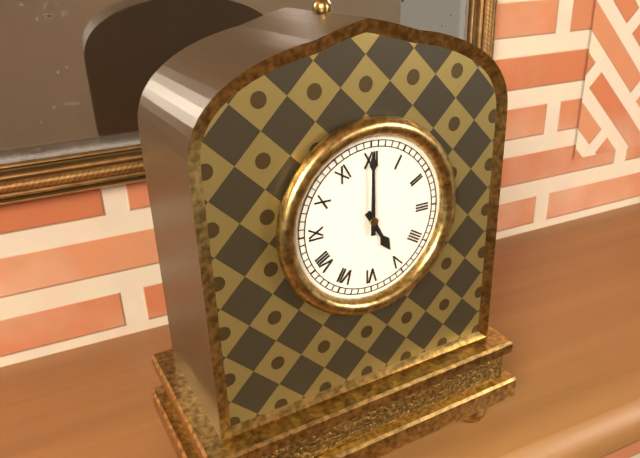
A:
5 h 00 min
